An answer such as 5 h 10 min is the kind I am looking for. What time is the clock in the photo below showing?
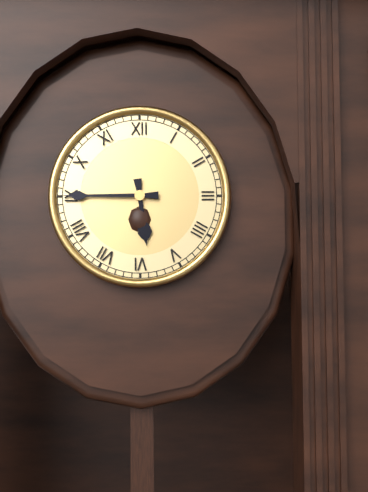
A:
5 h 45 min
